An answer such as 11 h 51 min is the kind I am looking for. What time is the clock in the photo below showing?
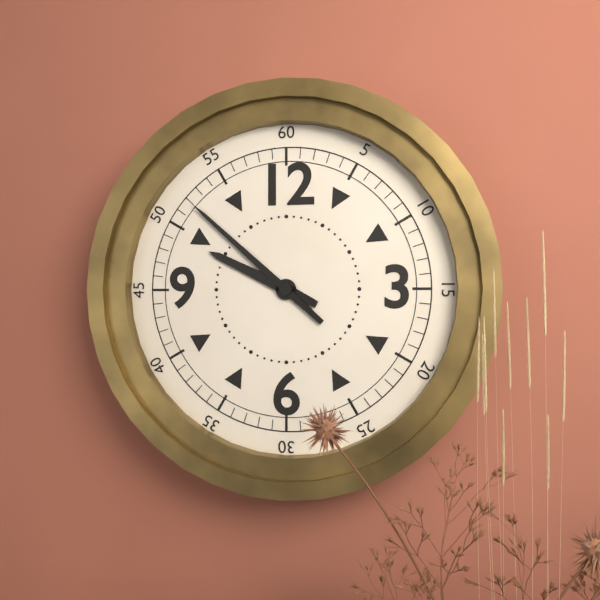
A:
9 h 52 min
